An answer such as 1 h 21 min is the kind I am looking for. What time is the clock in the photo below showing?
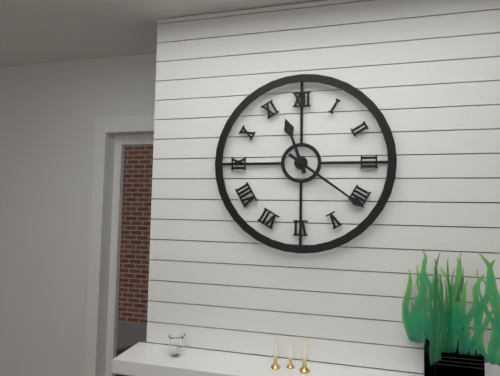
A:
11 h 21 min
